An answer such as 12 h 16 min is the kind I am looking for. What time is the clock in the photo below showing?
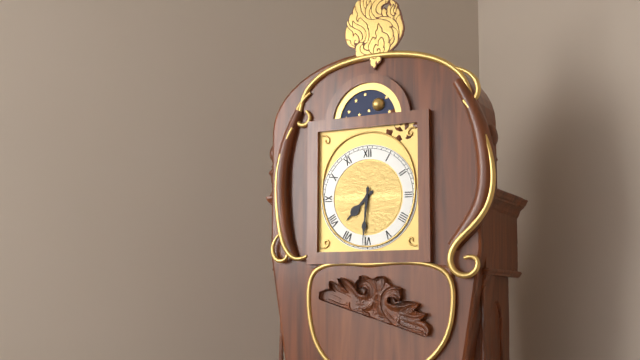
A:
7 h 31 min
